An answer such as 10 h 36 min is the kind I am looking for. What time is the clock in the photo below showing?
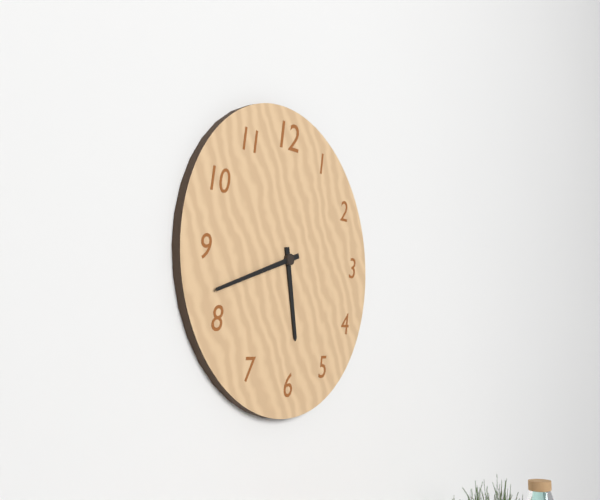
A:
5 h 42 min
